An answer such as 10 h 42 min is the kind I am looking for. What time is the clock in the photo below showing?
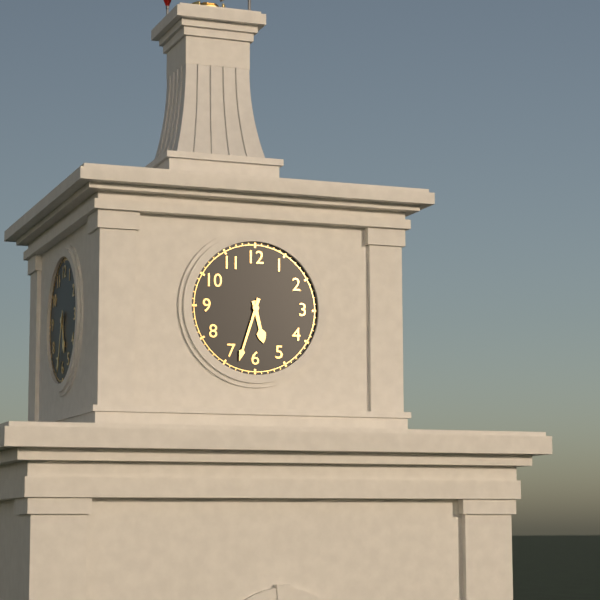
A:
5 h 33 min
